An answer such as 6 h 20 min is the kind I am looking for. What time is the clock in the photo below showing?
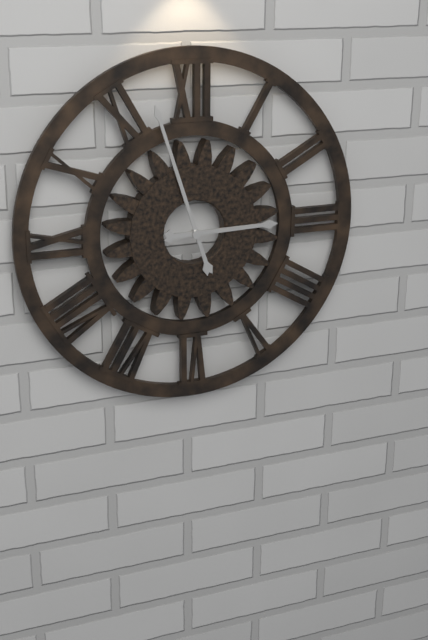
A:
2 h 57 min
